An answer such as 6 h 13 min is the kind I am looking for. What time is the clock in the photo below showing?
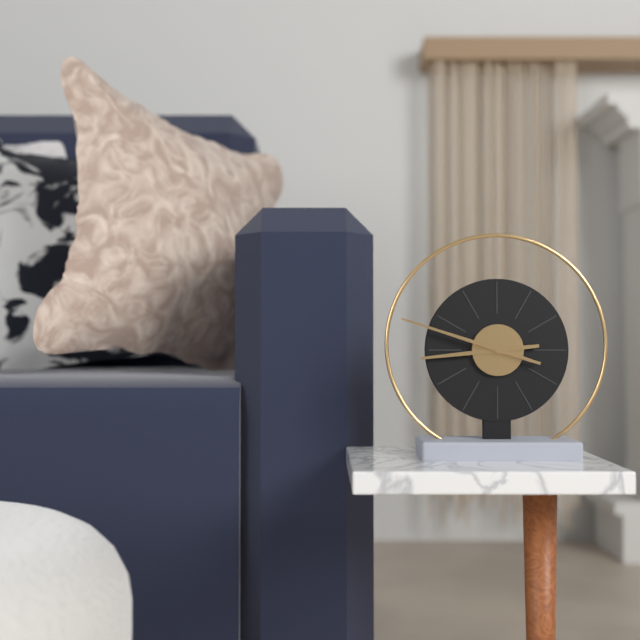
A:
8 h 48 min
